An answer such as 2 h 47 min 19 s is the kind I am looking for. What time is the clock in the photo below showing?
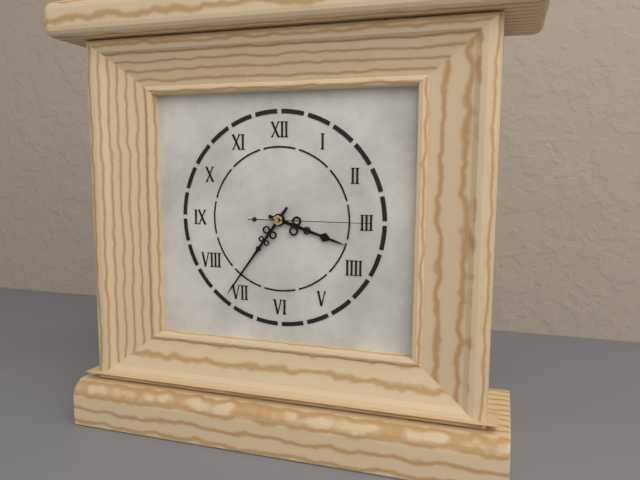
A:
3 h 36 min 15 s
